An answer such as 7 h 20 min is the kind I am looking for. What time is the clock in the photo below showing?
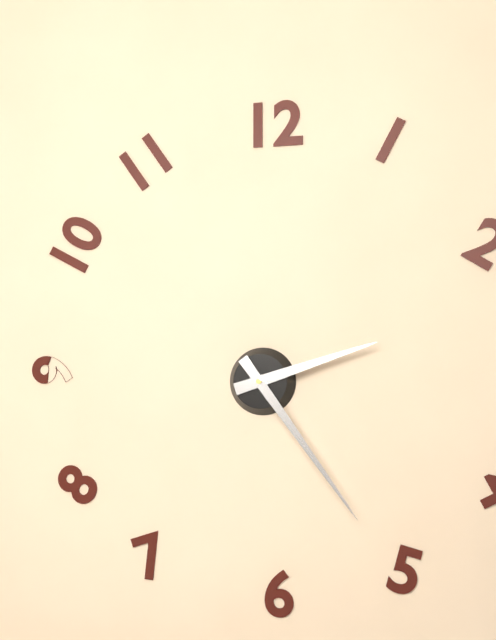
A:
2 h 24 min
